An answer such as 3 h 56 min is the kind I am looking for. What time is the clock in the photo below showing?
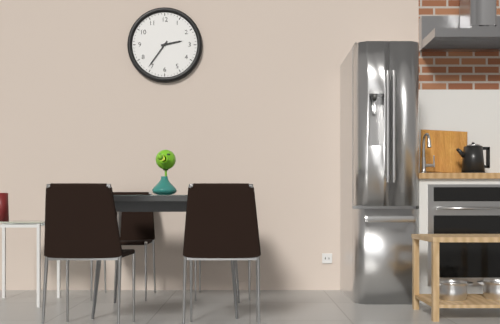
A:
2 h 36 min
